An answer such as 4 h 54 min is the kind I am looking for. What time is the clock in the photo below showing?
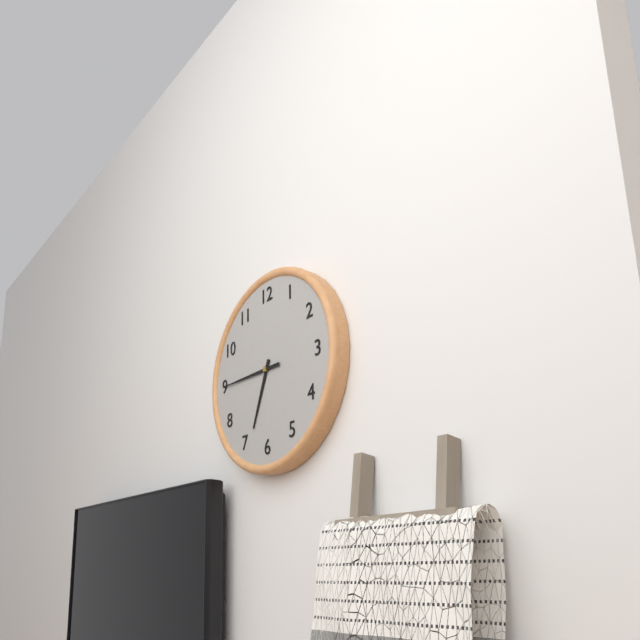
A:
6 h 45 min
